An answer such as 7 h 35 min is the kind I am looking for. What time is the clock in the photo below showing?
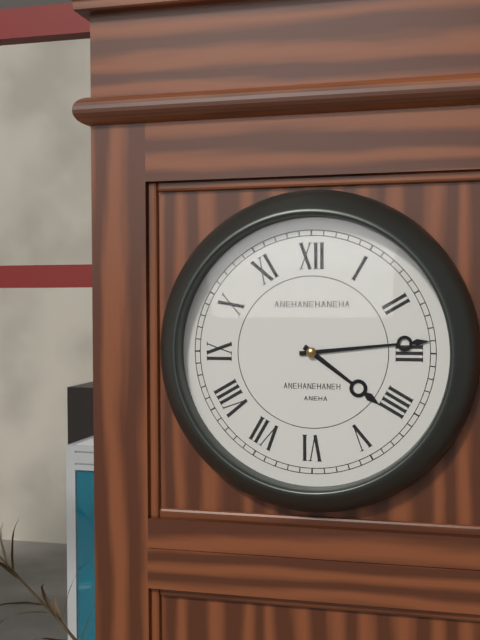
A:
4 h 14 min
